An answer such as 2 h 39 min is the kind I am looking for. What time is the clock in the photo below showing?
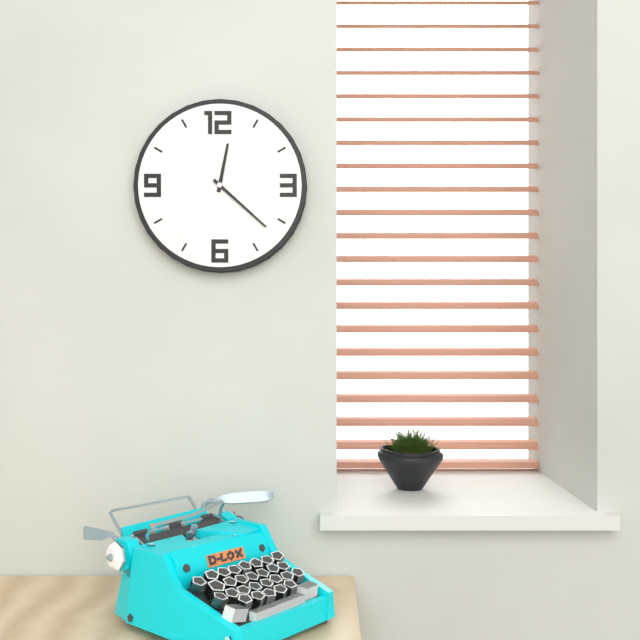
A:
12 h 22 min
